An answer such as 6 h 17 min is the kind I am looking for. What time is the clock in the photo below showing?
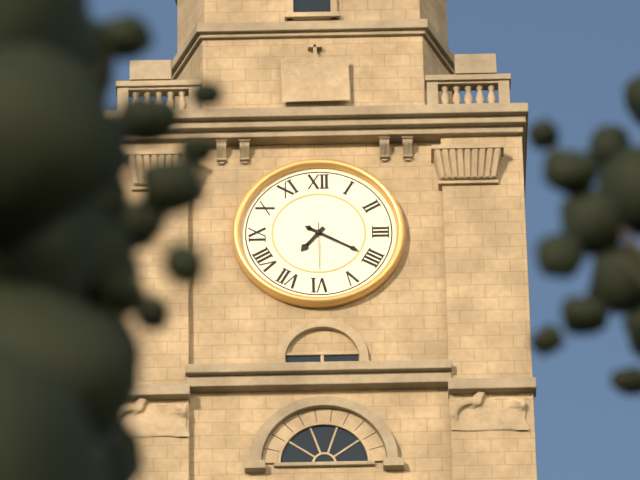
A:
7 h 20 min
